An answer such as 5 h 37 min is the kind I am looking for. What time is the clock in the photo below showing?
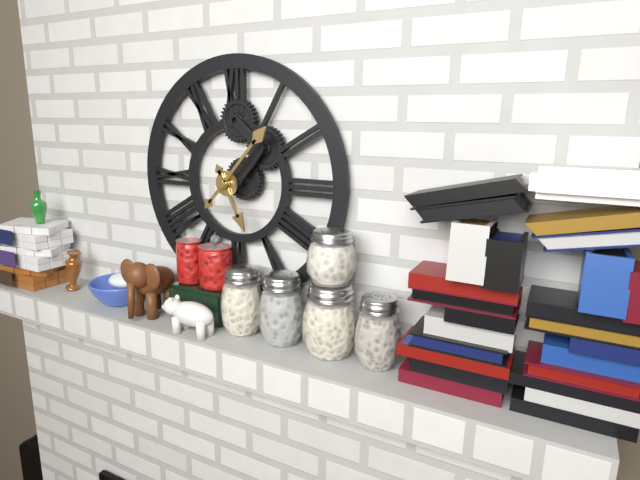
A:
5 h 07 min
